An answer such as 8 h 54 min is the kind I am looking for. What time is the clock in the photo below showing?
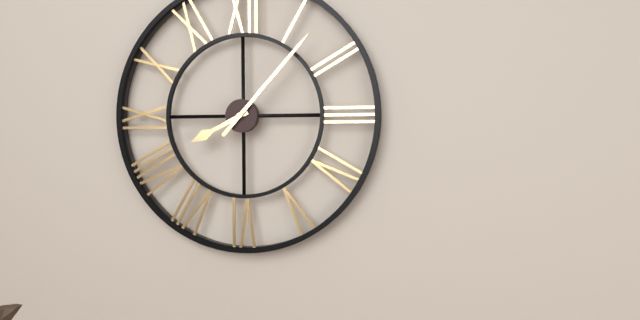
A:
8 h 07 min
